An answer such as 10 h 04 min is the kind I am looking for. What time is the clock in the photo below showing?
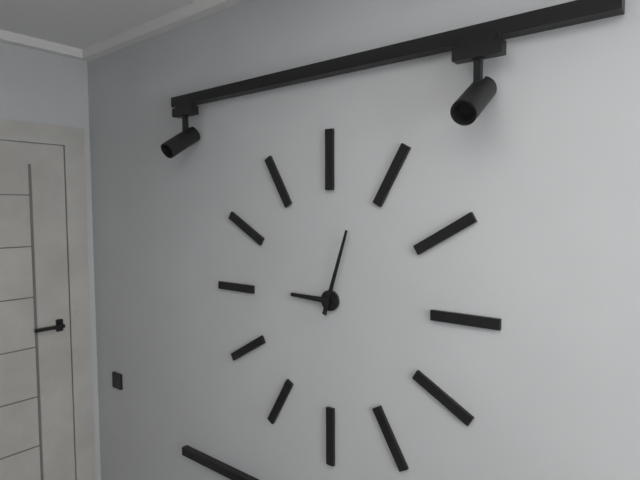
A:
9 h 03 min
